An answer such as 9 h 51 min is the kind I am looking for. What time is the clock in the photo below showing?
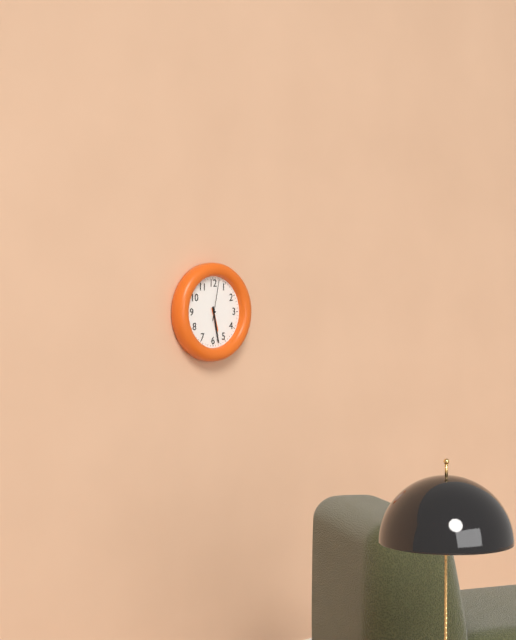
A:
5 h 28 min
